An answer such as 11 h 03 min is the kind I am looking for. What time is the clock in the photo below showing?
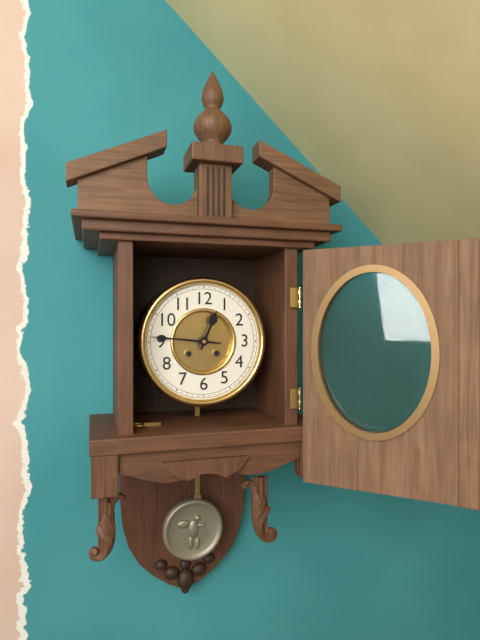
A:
12 h 46 min
